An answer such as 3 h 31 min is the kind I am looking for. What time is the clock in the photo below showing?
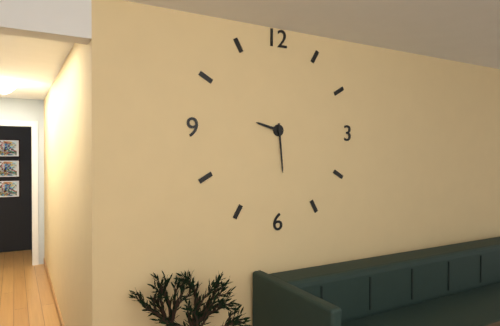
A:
9 h 29 min
